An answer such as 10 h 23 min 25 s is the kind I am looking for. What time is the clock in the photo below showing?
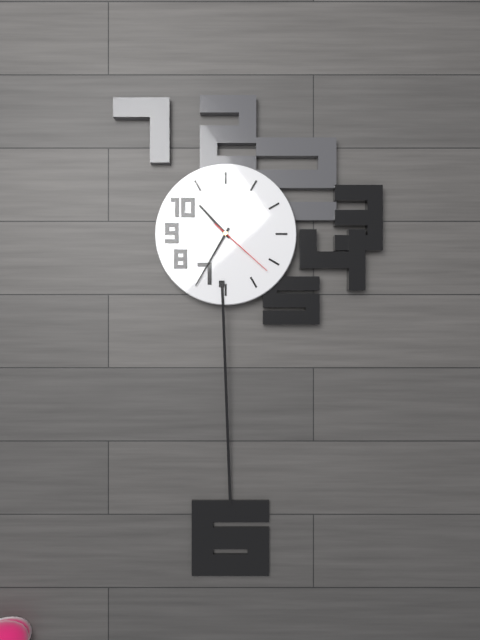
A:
10 h 35 min 22 s
